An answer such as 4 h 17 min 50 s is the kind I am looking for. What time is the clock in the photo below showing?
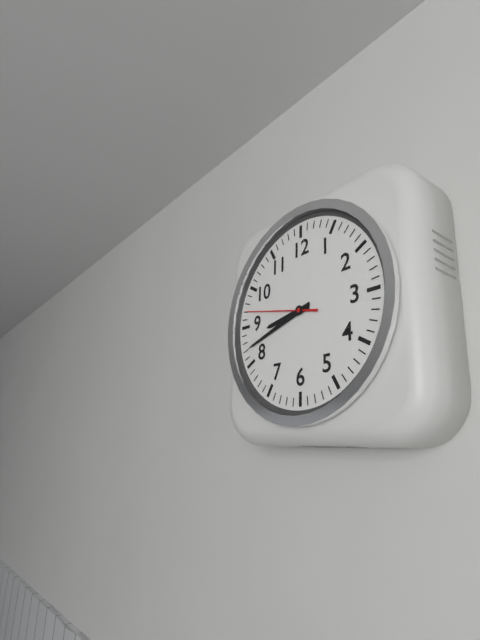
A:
8 h 42 min 47 s
